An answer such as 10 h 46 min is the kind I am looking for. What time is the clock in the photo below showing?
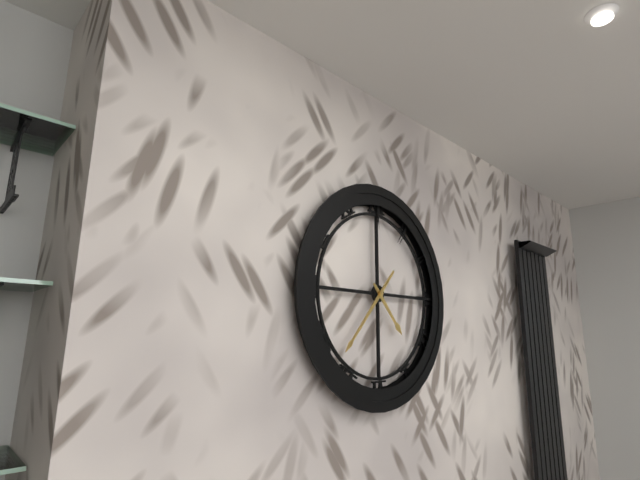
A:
4 h 37 min
